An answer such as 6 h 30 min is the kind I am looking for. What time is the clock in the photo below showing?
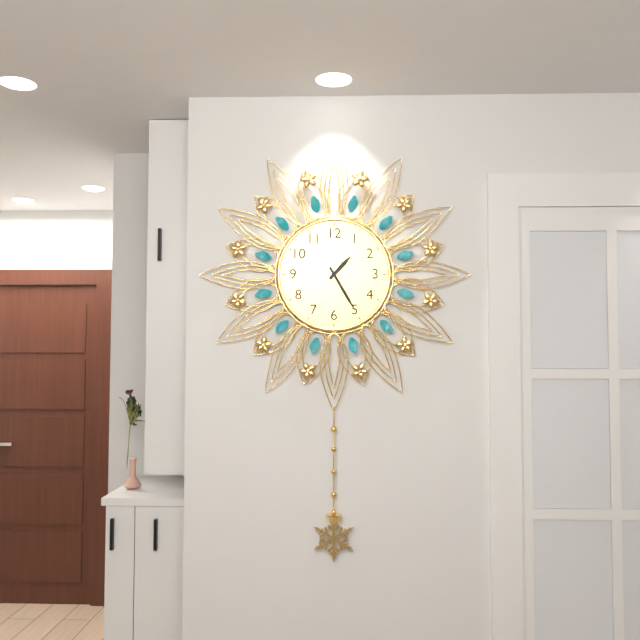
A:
1 h 25 min
